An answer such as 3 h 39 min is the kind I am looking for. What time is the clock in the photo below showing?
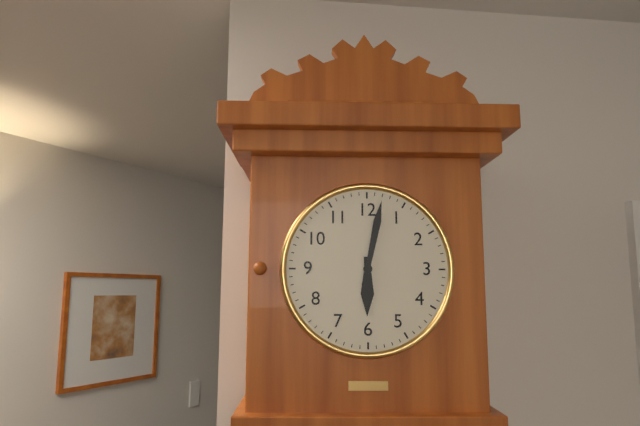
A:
6 h 02 min
